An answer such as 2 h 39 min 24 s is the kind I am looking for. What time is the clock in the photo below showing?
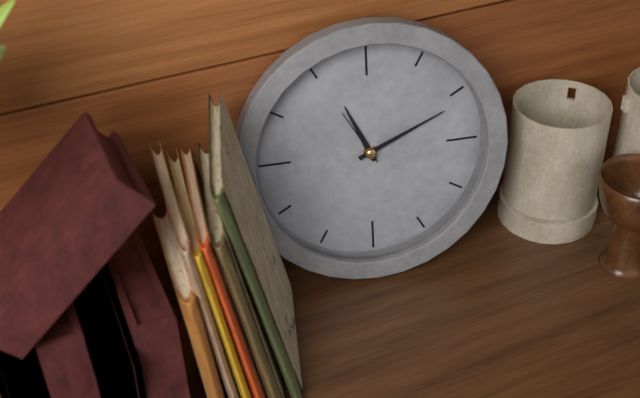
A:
11 h 11 min 55 s
